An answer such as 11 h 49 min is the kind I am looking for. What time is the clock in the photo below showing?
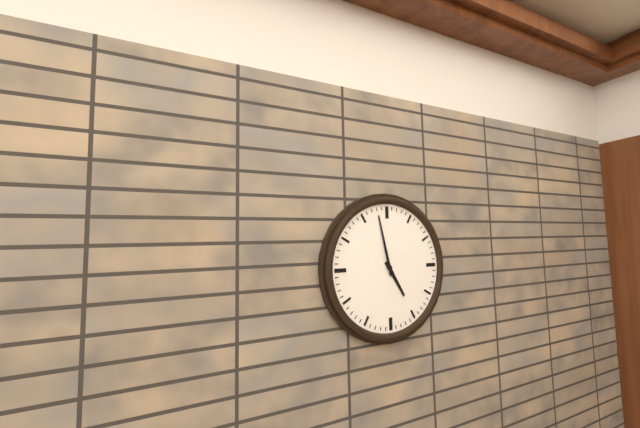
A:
4 h 58 min
